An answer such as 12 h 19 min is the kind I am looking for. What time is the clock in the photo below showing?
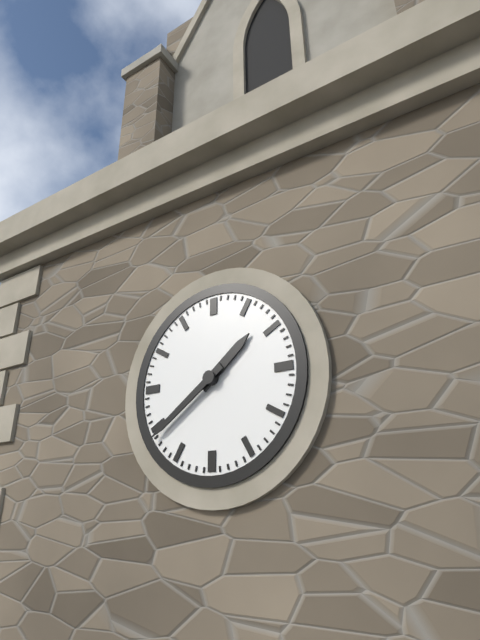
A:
1 h 39 min
